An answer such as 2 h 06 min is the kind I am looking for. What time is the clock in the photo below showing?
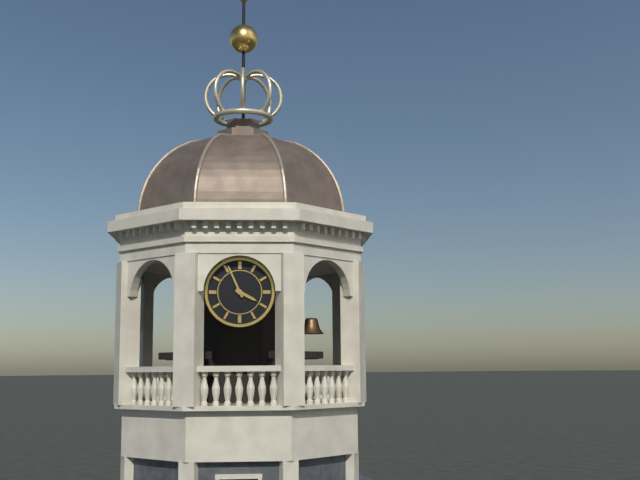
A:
3 h 56 min
